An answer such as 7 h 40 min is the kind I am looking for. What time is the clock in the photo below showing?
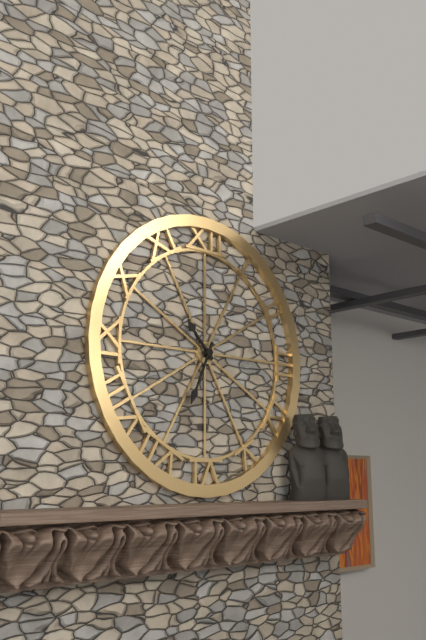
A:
10 h 34 min
